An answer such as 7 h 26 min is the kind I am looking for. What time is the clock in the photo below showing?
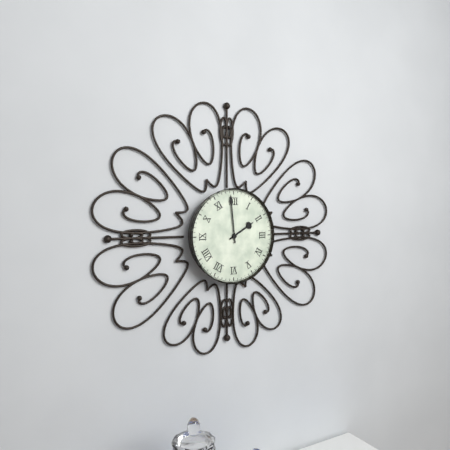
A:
1 h 59 min
